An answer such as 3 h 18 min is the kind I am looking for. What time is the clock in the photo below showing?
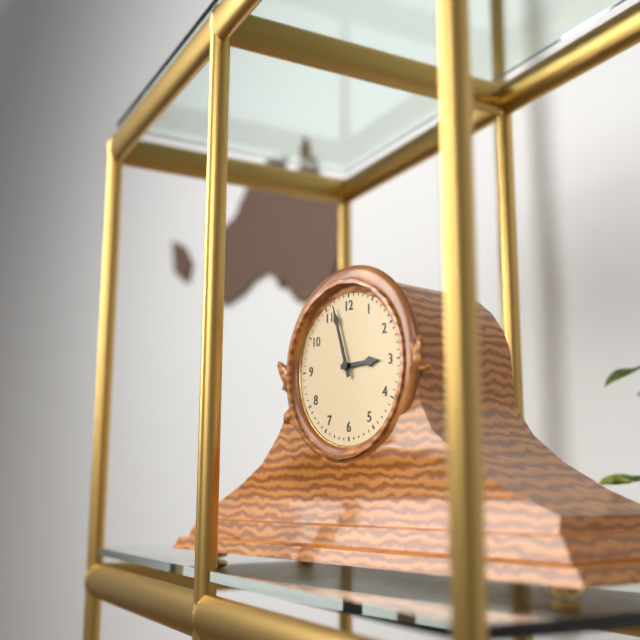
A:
2 h 57 min
